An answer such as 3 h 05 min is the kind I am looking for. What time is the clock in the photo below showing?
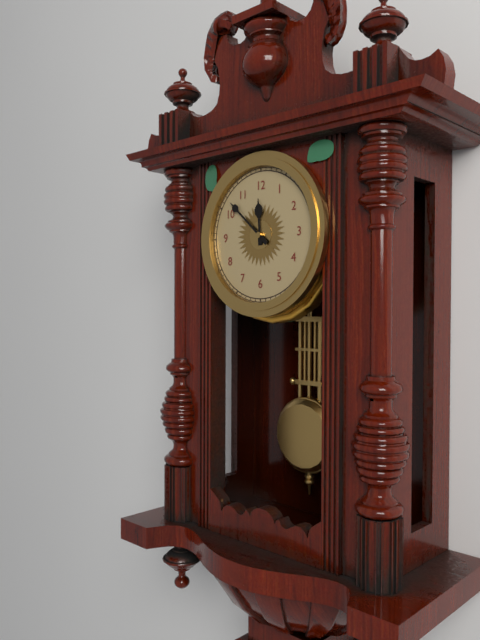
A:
11 h 52 min
